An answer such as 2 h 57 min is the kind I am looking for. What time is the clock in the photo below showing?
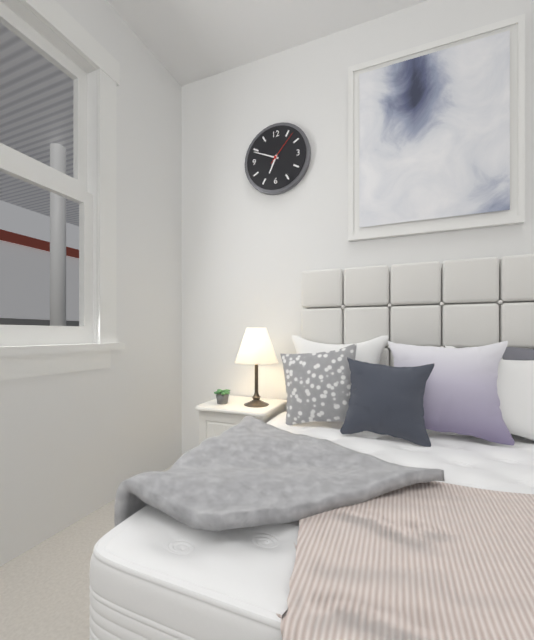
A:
6 h 49 min
